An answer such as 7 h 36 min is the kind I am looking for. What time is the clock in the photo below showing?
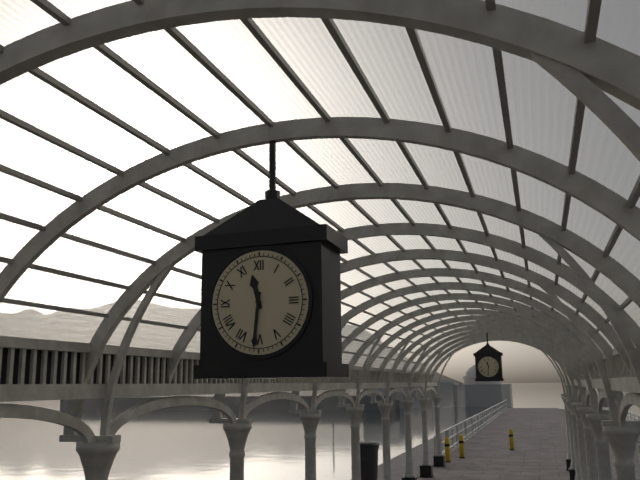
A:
11 h 31 min
